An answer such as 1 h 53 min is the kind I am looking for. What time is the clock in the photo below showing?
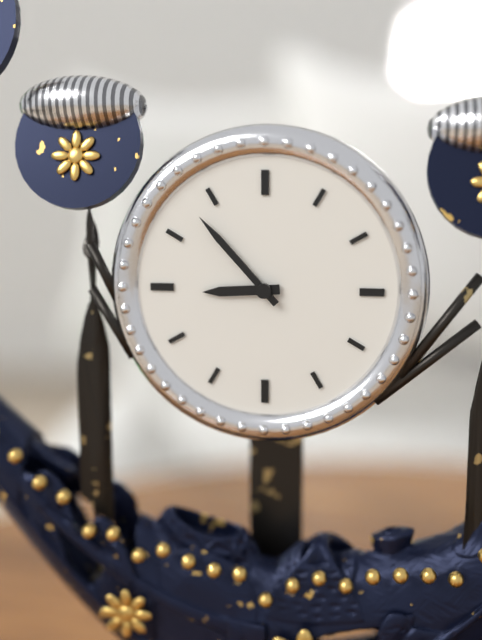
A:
8 h 53 min
